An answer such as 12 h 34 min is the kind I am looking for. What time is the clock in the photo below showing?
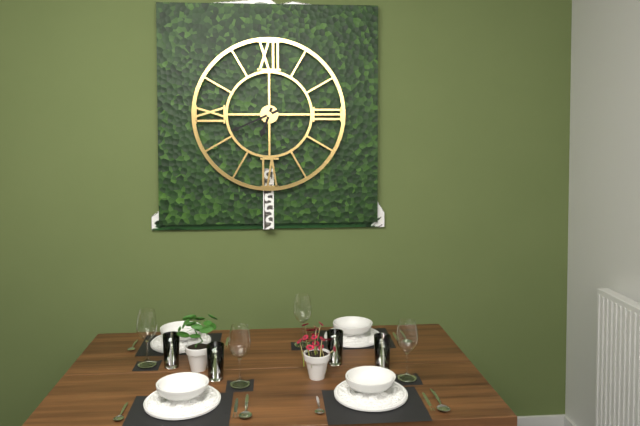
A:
6 h 41 min
